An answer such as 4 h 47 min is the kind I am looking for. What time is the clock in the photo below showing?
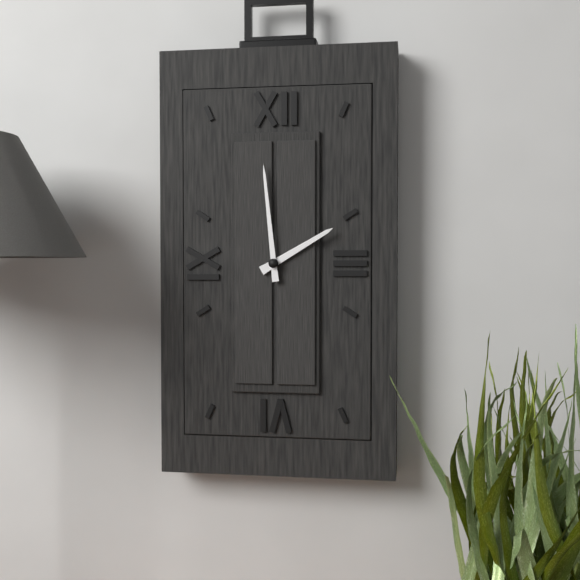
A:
1 h 59 min
